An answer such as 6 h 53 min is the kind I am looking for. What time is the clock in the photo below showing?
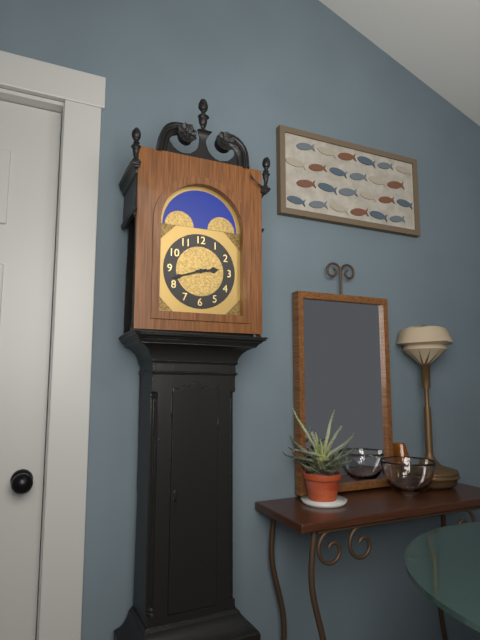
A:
2 h 42 min
